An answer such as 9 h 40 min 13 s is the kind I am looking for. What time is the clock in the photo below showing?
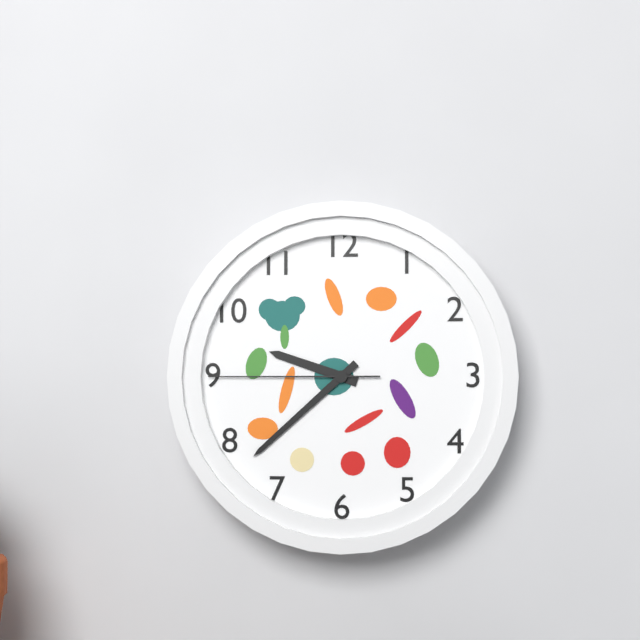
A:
9 h 38 min 45 s
